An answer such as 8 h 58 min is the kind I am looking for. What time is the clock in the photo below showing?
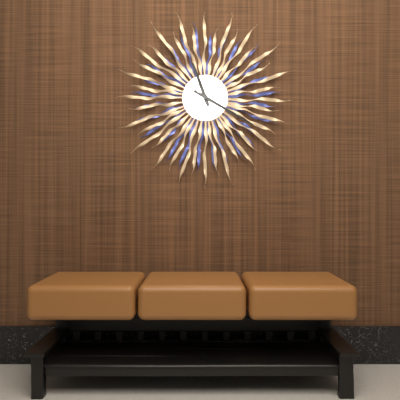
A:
11 h 20 min
